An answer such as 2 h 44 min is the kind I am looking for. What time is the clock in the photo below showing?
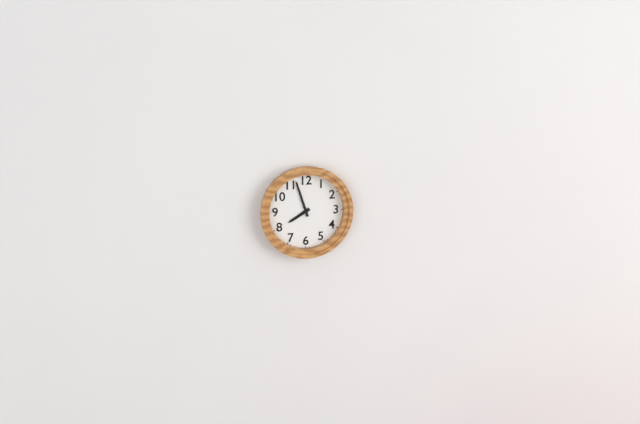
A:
7 h 57 min
